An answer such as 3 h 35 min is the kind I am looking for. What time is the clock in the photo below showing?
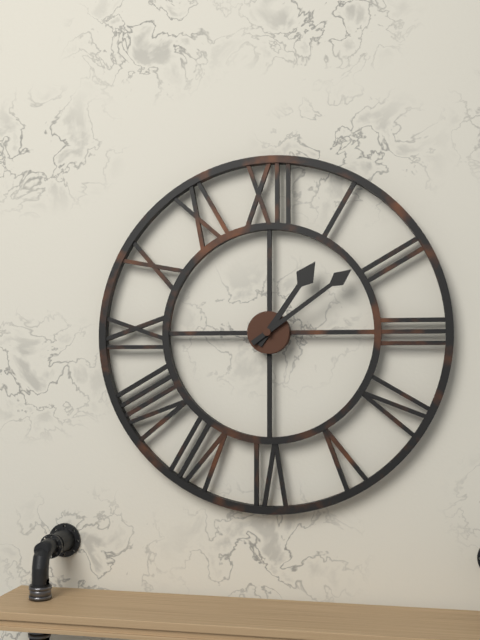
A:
1 h 09 min
